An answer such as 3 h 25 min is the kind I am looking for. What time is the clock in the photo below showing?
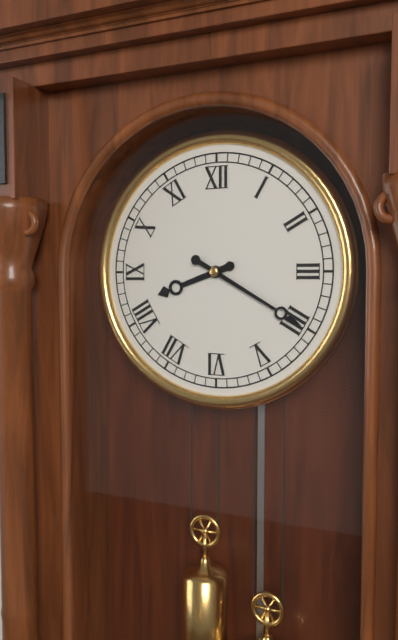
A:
8 h 20 min
